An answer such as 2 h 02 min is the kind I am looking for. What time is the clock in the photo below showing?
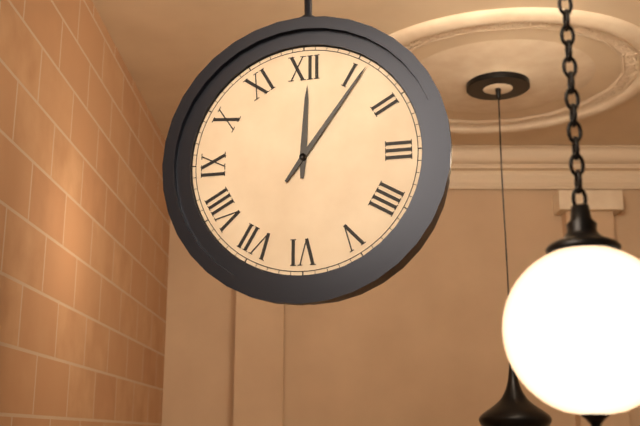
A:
12 h 06 min
